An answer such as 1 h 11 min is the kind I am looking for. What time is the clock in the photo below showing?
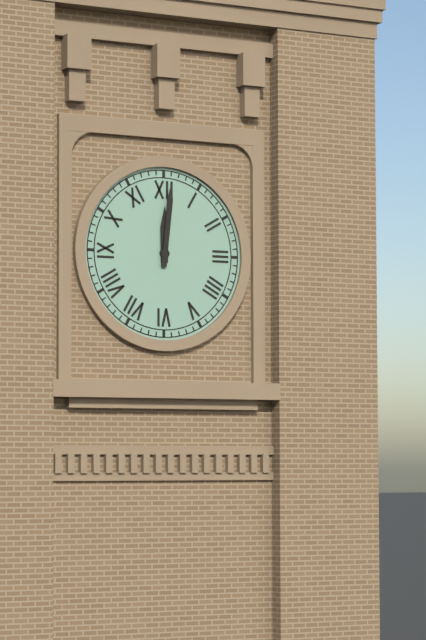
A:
12 h 01 min
